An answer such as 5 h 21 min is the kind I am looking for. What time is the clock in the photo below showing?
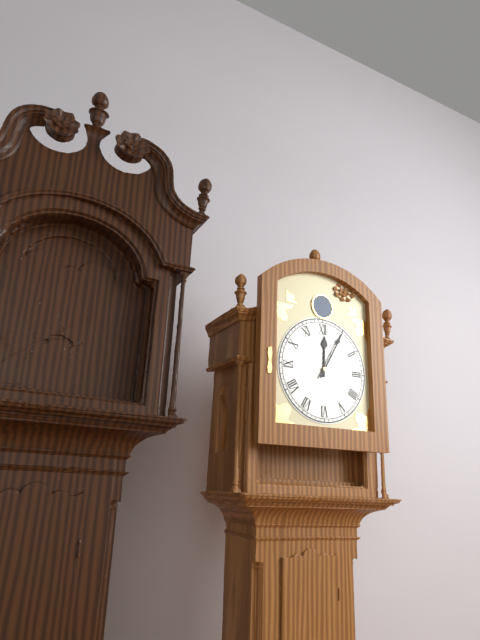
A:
12 h 05 min
